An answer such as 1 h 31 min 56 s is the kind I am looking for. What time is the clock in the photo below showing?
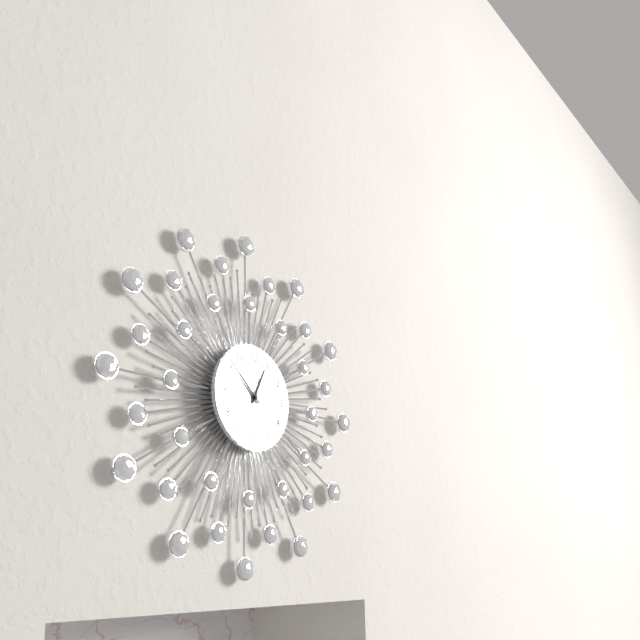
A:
12 h 52 min 02 s
